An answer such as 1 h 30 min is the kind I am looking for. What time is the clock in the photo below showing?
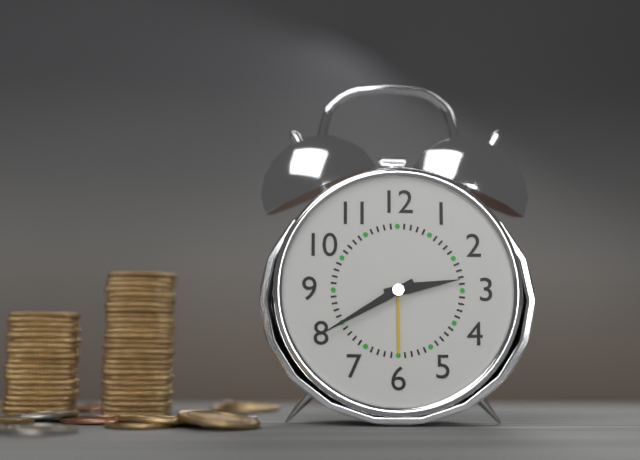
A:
2 h 40 min
